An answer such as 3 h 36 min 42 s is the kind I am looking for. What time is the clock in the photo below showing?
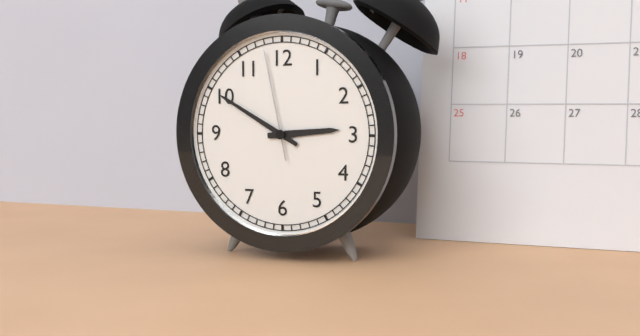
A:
2 h 50 min 58 s
